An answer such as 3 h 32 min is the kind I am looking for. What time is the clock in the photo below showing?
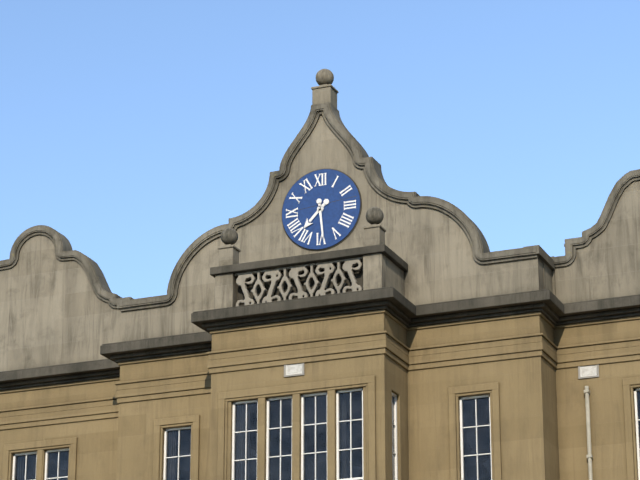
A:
7 h 29 min
